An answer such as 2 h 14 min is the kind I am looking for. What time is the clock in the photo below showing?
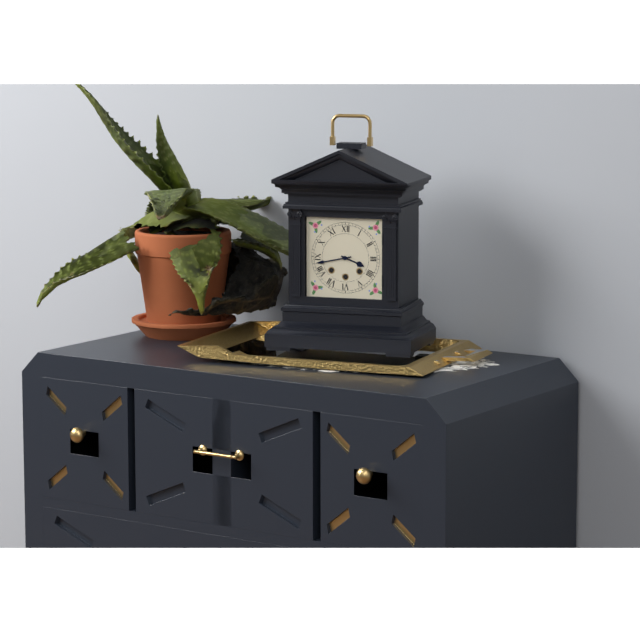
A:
3 h 43 min
